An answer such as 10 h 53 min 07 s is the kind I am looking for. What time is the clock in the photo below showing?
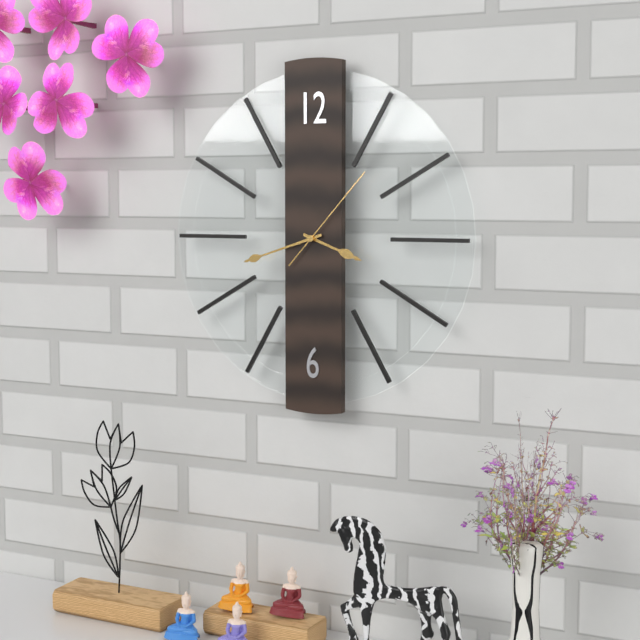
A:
3 h 42 min 07 s
